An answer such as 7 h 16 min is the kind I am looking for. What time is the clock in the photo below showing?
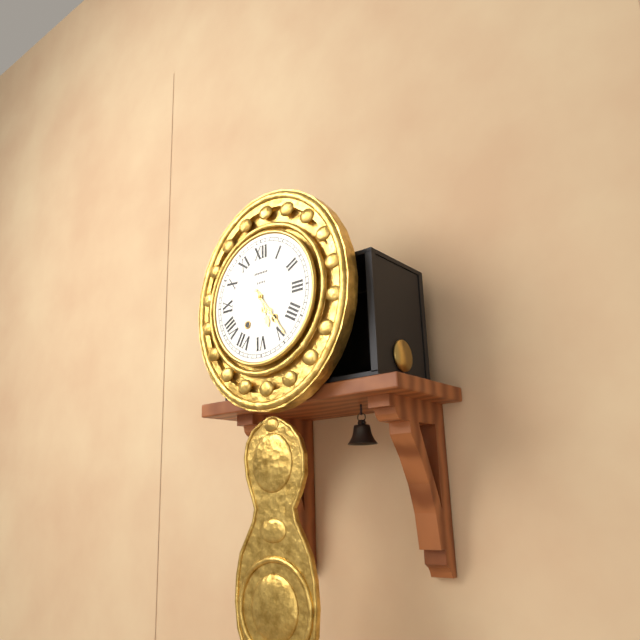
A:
5 h 24 min
